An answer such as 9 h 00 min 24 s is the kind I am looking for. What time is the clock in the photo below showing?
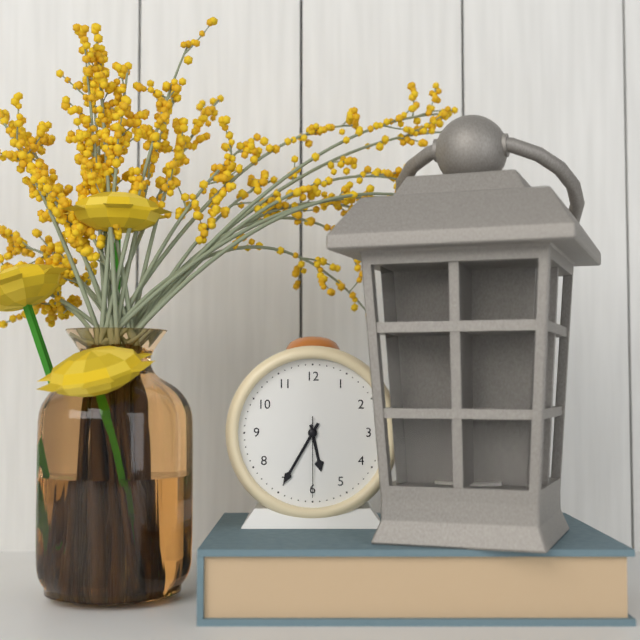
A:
5 h 35 min 30 s
